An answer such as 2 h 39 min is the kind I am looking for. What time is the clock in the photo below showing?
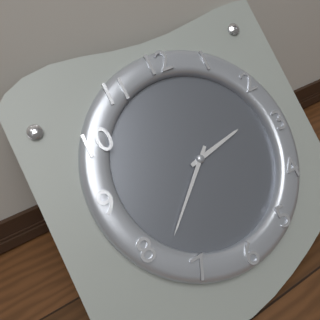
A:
2 h 38 min
